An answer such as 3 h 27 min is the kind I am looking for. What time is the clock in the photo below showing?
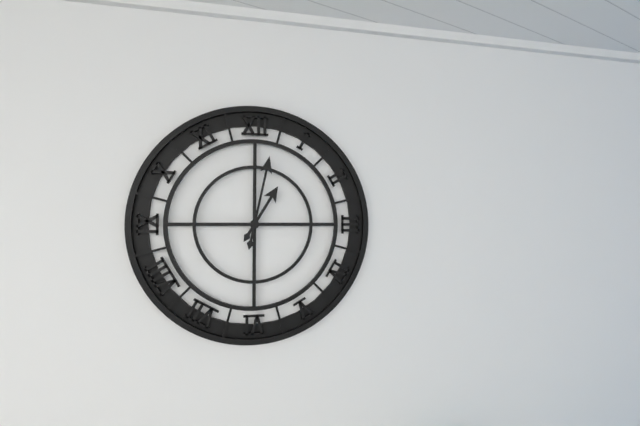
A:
1 h 02 min
